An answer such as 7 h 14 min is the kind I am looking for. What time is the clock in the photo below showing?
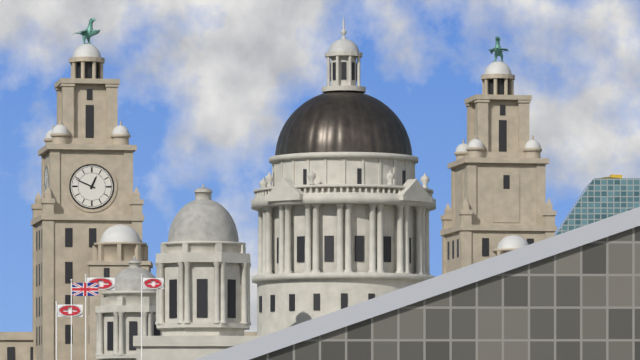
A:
12 h 49 min
